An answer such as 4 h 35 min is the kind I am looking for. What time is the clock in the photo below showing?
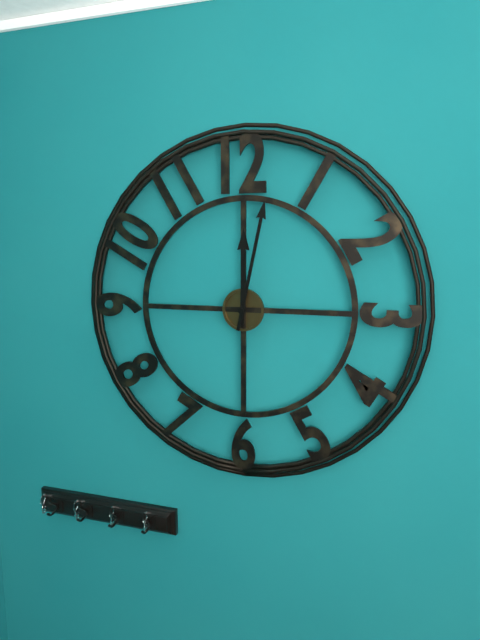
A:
12 h 02 min
